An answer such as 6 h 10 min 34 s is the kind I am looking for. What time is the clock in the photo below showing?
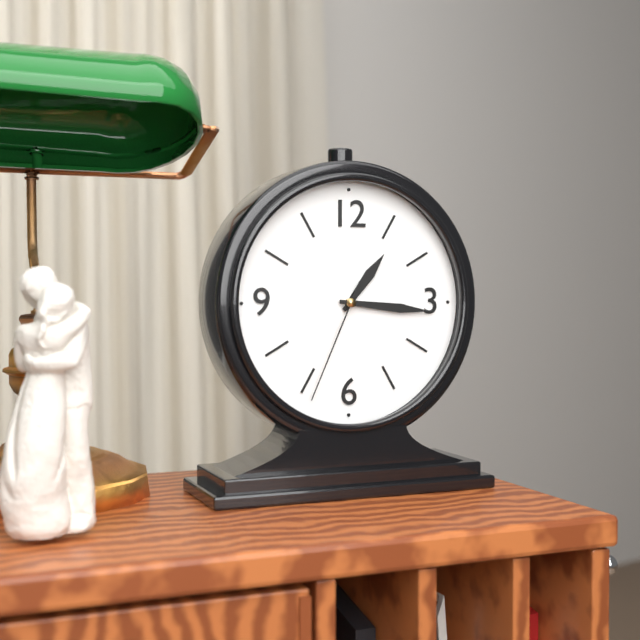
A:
1 h 16 min 34 s
